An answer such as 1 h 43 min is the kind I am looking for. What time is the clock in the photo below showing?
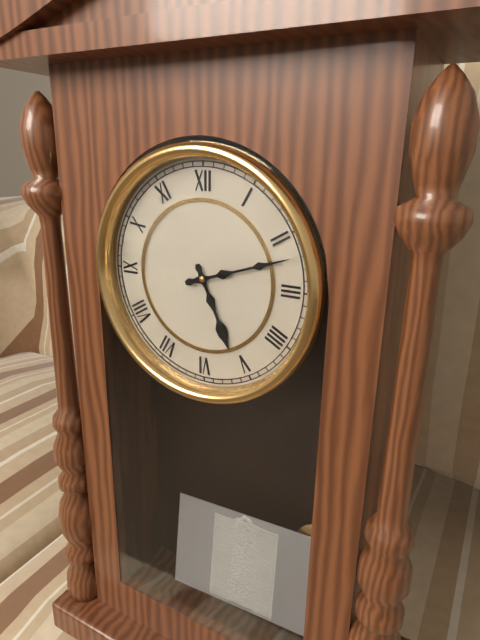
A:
5 h 12 min
